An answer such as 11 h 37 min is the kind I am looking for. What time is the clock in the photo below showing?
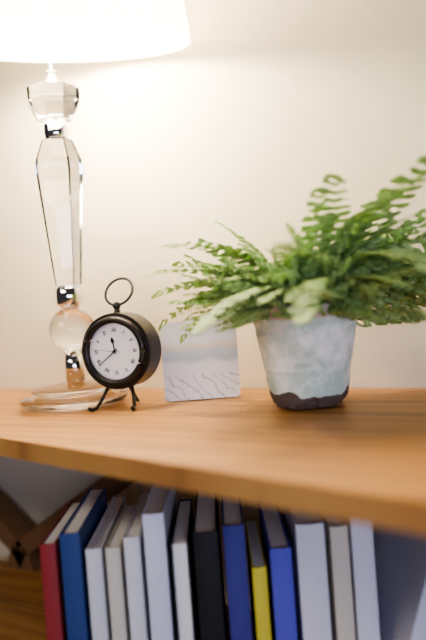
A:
11 h 39 min
